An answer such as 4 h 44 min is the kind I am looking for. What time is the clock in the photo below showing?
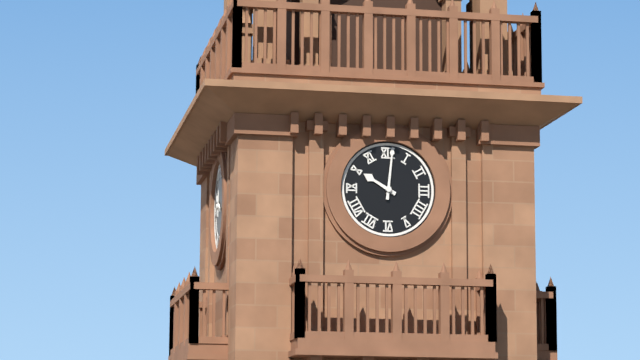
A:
10 h 01 min
